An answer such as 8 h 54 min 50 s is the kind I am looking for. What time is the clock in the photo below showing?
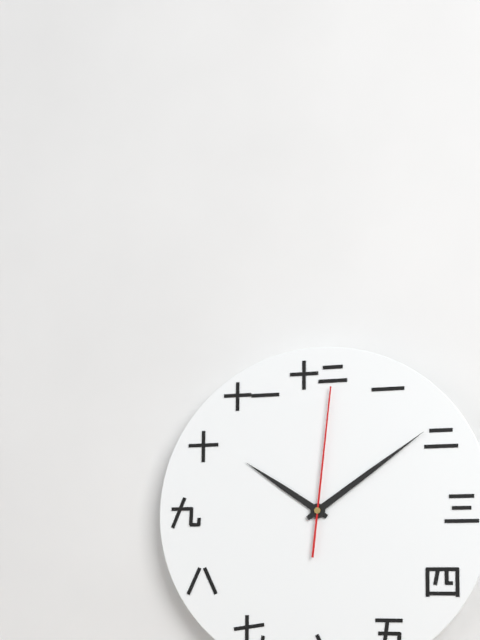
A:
10 h 09 min 01 s
